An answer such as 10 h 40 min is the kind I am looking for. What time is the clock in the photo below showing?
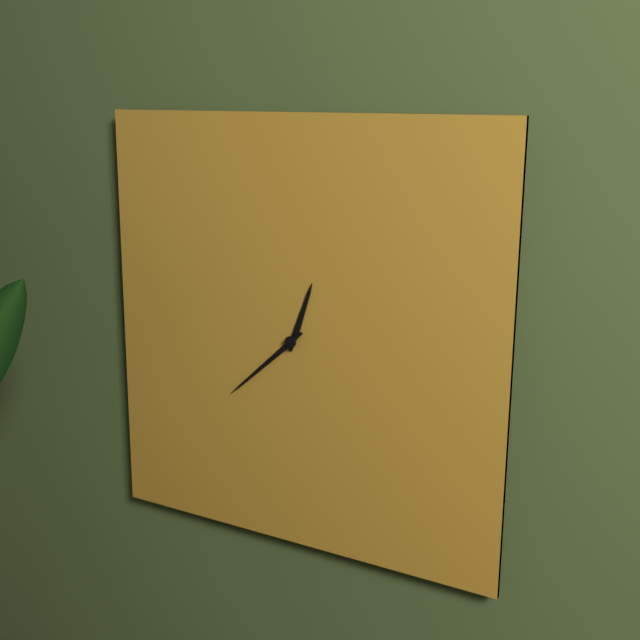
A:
12 h 38 min
